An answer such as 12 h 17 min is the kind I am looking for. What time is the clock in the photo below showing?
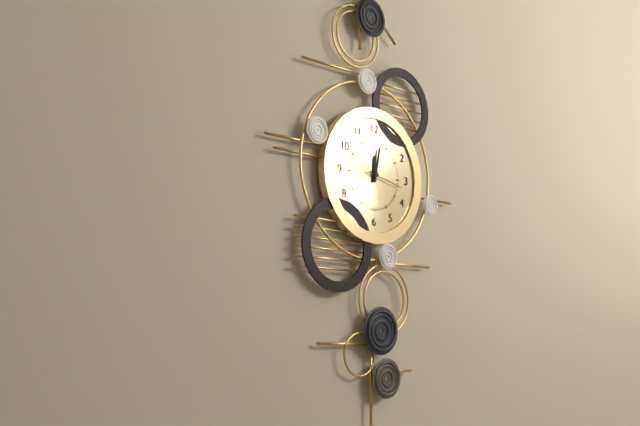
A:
12 h 02 min
